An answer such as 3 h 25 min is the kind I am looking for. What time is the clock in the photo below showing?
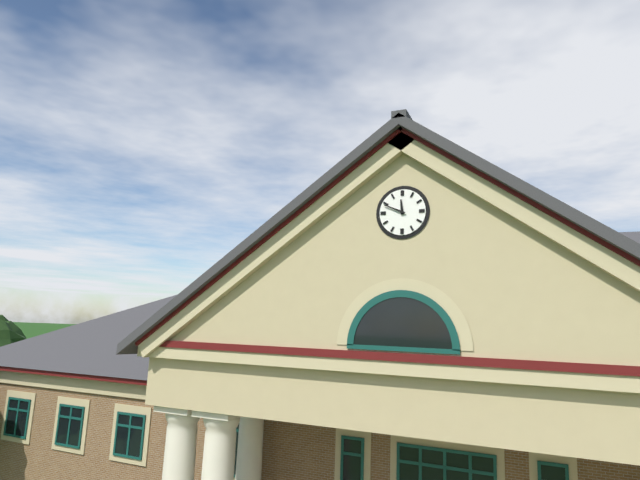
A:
11 h 49 min
